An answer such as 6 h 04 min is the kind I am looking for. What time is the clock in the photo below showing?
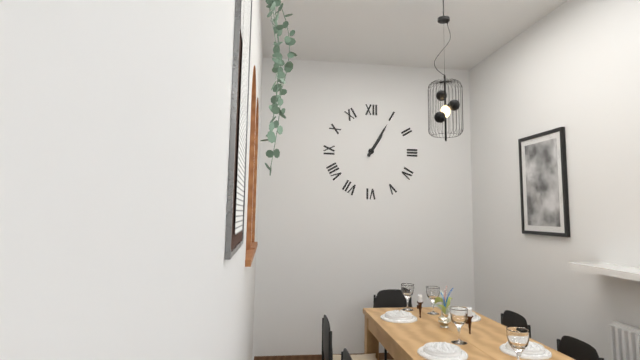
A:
1 h 05 min
